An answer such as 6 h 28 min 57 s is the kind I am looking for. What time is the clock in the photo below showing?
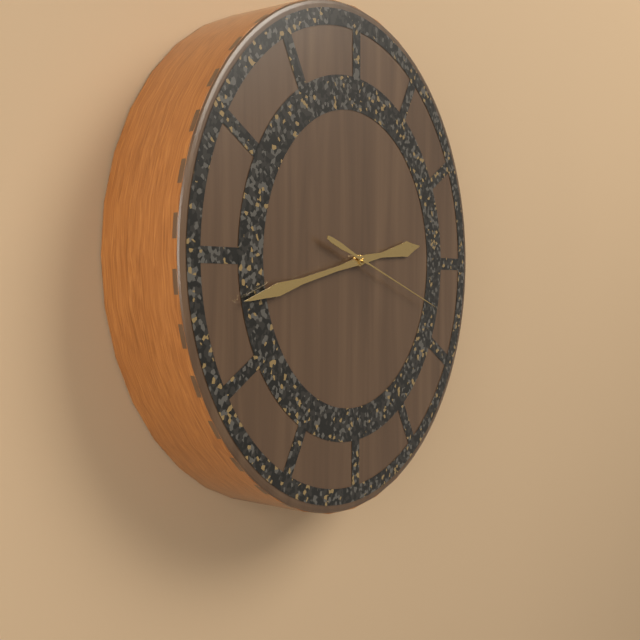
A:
2 h 43 min 18 s
